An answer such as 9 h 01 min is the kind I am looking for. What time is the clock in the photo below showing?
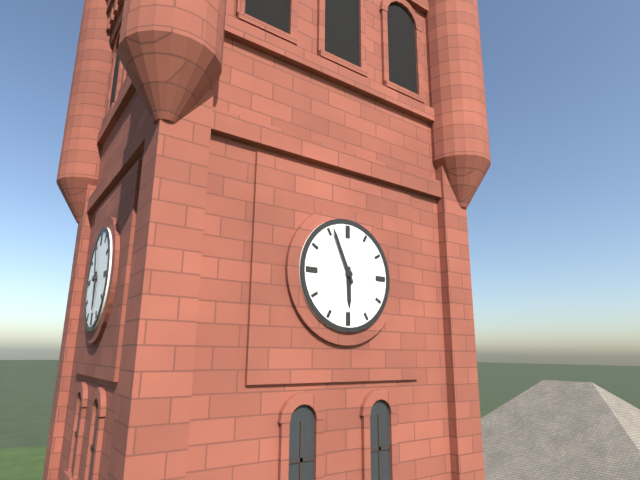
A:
5 h 56 min
